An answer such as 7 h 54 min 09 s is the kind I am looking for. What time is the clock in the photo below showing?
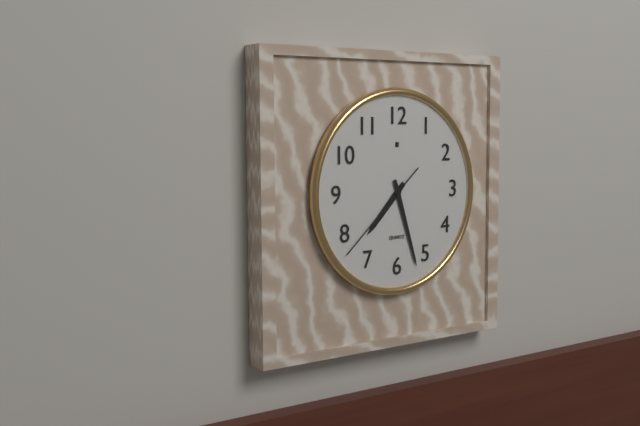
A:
7 h 27 min 38 s
